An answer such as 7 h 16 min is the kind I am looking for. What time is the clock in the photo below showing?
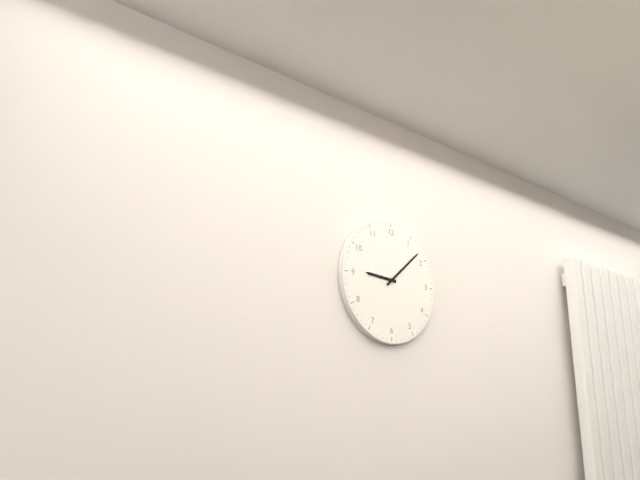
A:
9 h 08 min
